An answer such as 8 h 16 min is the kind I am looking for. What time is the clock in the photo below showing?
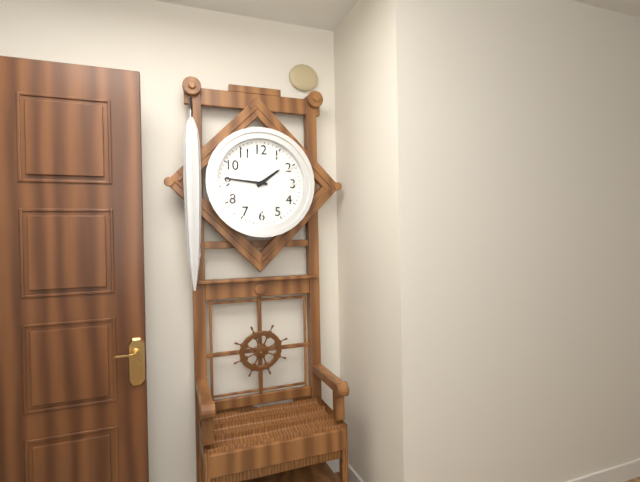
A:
1 h 46 min
